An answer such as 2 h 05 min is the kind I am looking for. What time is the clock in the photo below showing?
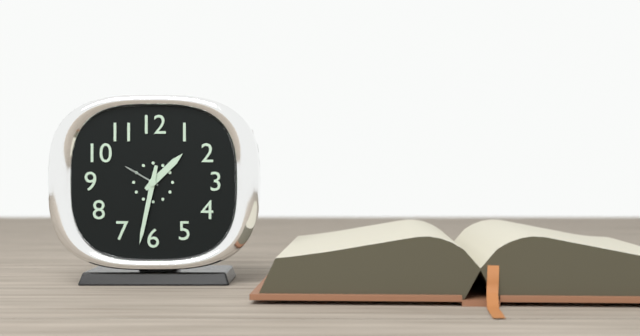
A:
1 h 32 min
